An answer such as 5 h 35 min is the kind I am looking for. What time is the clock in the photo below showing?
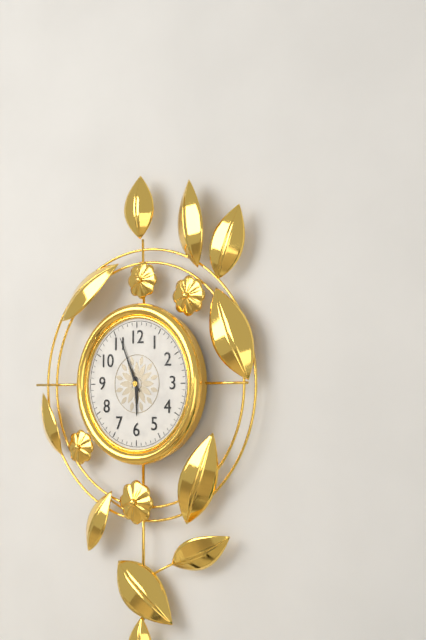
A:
5 h 56 min
